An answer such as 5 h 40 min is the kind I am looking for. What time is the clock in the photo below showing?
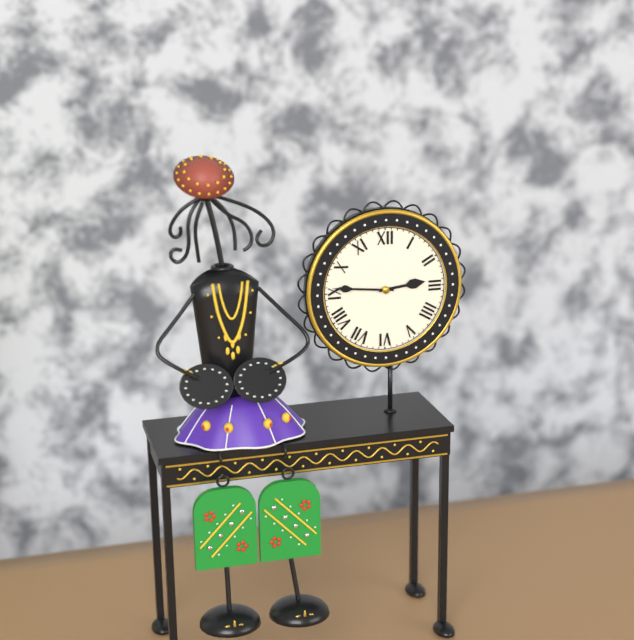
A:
2 h 46 min
